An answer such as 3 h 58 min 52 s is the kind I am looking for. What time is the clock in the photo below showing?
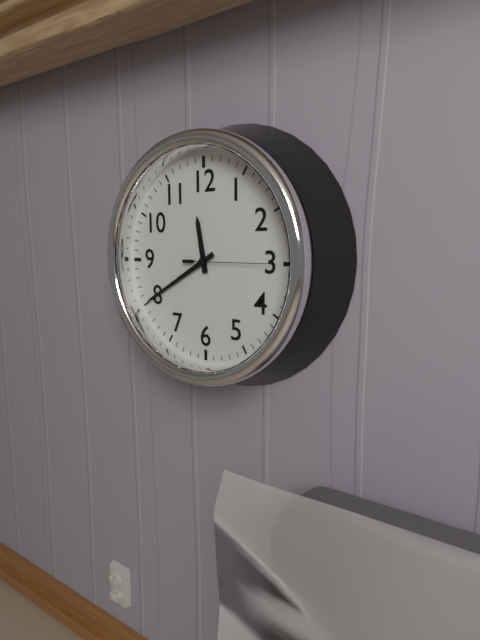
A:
11 h 40 min 15 s
